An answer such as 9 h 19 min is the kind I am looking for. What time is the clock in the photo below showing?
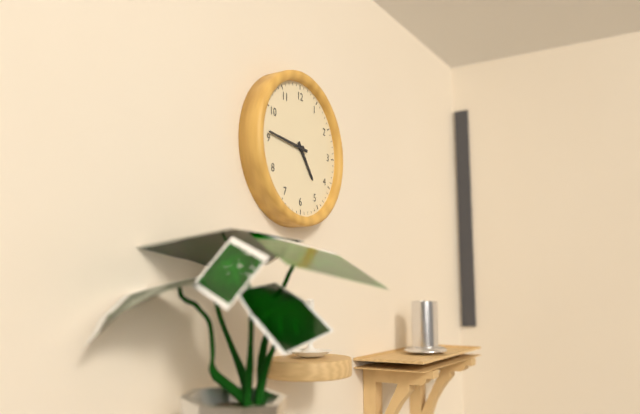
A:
4 h 46 min
